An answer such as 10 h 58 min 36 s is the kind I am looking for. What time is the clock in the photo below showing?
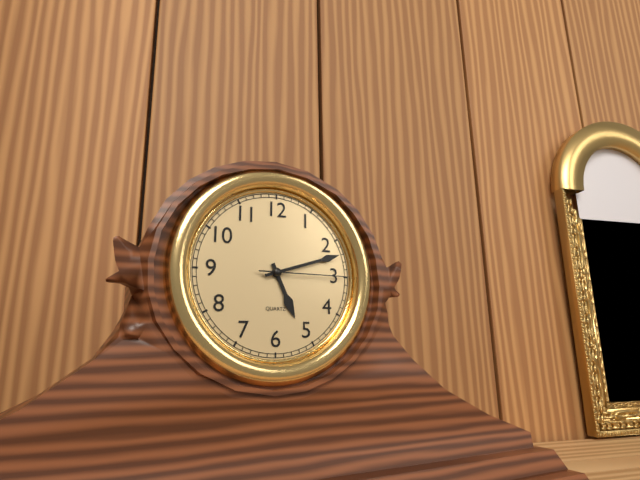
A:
5 h 12 min 15 s
